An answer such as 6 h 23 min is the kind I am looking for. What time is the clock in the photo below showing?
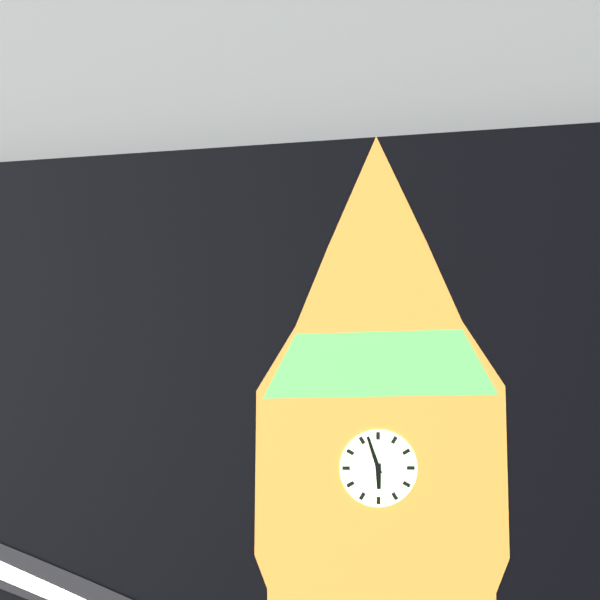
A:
5 h 57 min
